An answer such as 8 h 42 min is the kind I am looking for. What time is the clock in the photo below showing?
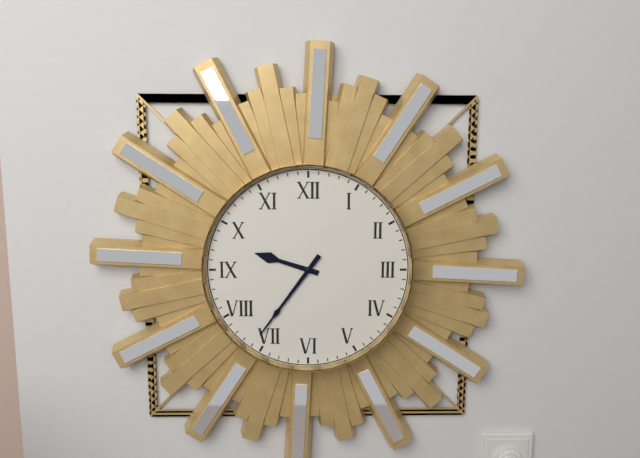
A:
9 h 36 min
